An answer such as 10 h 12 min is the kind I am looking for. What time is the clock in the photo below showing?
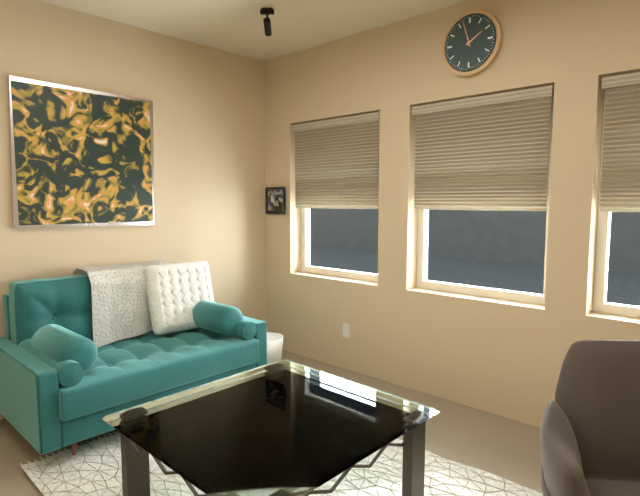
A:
1 h 57 min
